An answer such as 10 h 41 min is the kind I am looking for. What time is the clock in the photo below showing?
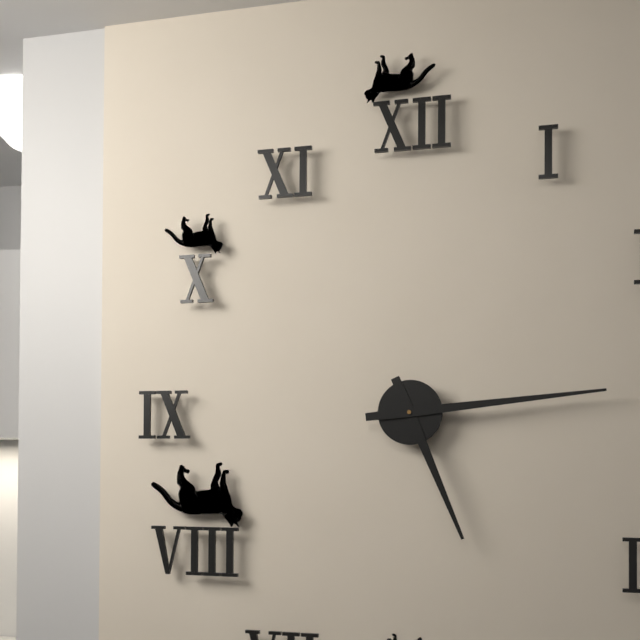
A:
5 h 14 min
